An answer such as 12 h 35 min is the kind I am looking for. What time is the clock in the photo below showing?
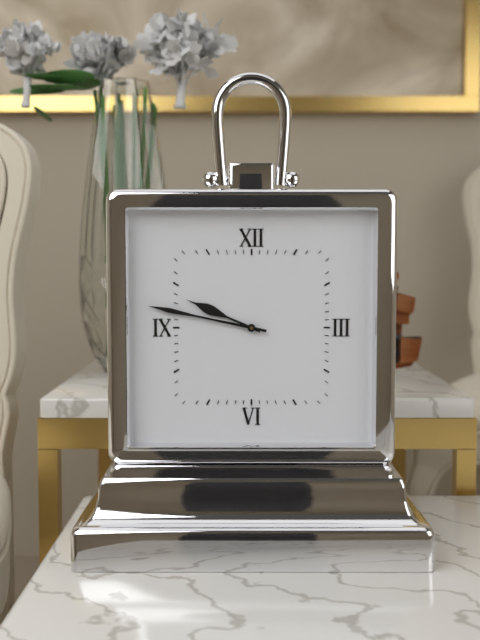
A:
9 h 47 min
